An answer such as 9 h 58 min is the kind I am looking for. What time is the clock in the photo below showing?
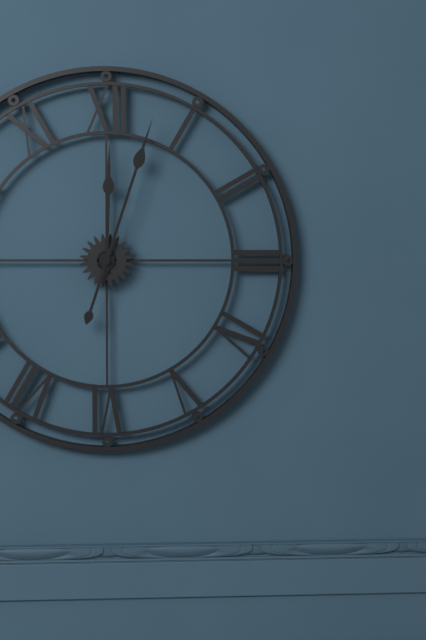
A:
12 h 03 min
